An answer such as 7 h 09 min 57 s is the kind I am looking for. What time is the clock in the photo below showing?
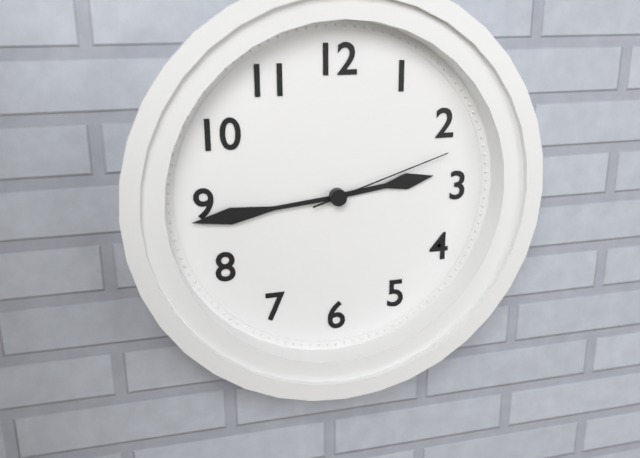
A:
2 h 44 min 12 s
